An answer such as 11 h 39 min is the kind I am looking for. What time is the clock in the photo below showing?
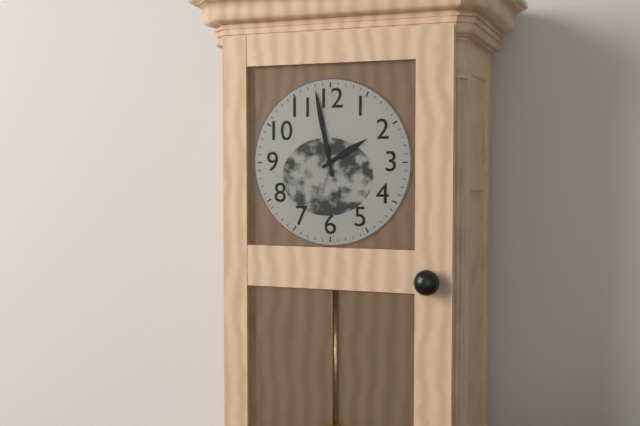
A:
1 h 58 min
